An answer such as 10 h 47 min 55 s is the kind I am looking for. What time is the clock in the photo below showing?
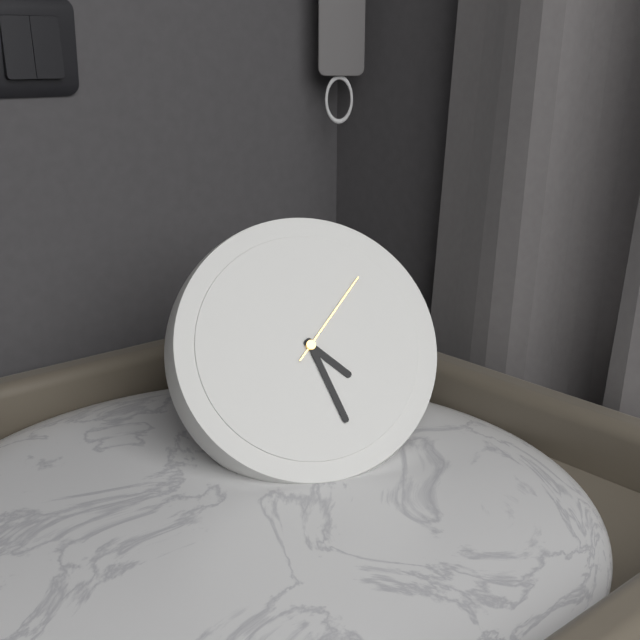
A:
4 h 27 min 07 s
